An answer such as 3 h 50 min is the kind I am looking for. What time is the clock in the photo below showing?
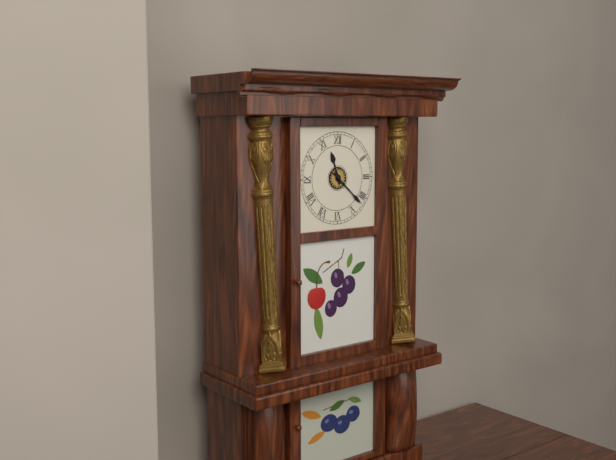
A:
11 h 22 min
